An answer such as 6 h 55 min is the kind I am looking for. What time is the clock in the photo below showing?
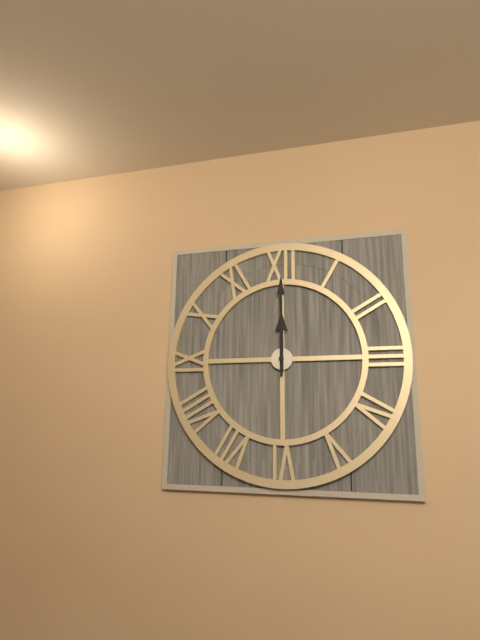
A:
12 h 00 min
